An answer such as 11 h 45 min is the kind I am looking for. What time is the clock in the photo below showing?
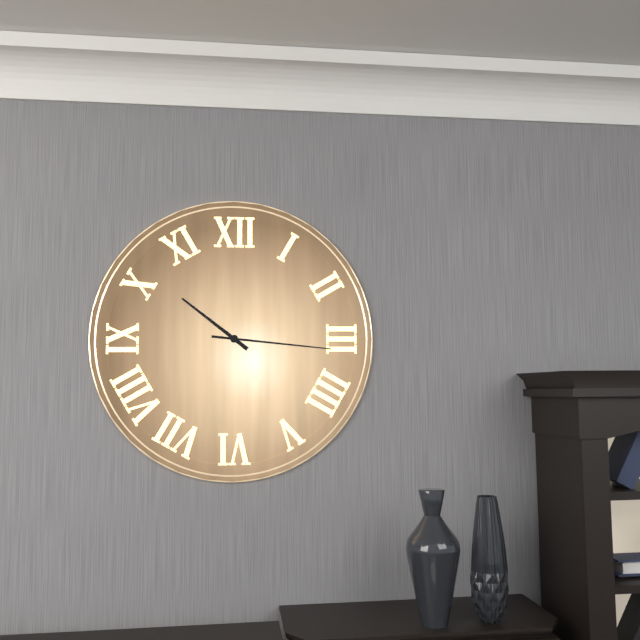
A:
10 h 16 min
